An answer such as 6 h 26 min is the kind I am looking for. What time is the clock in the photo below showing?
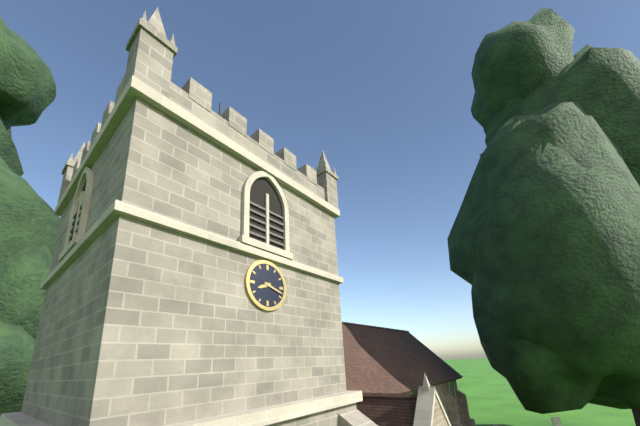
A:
8 h 18 min
